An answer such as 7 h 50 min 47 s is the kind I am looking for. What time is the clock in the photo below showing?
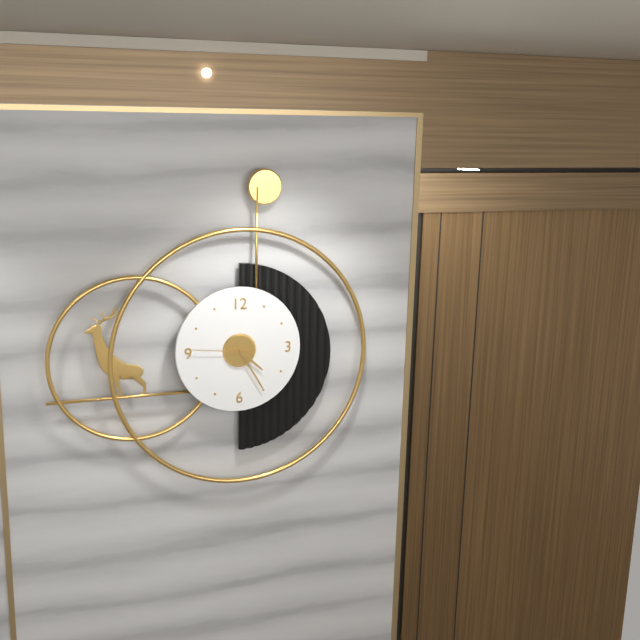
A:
4 h 25 min 46 s
